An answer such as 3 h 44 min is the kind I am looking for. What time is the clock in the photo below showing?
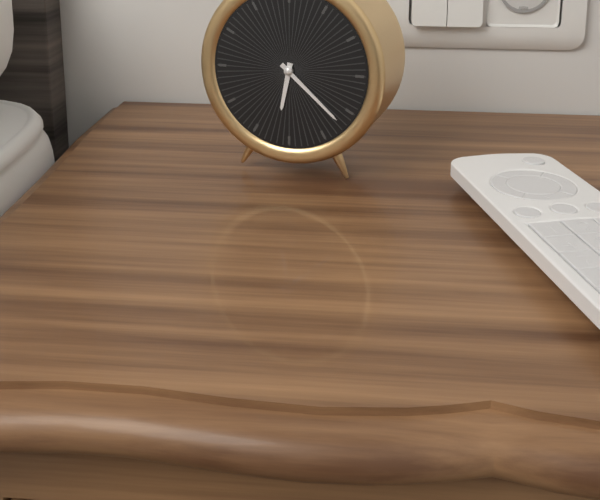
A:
6 h 22 min
